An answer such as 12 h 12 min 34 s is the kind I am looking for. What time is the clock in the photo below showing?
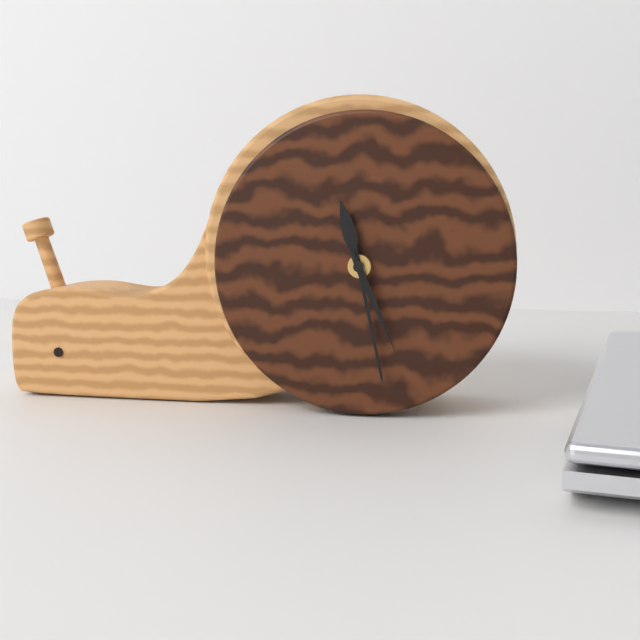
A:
11 h 28 min 26 s
